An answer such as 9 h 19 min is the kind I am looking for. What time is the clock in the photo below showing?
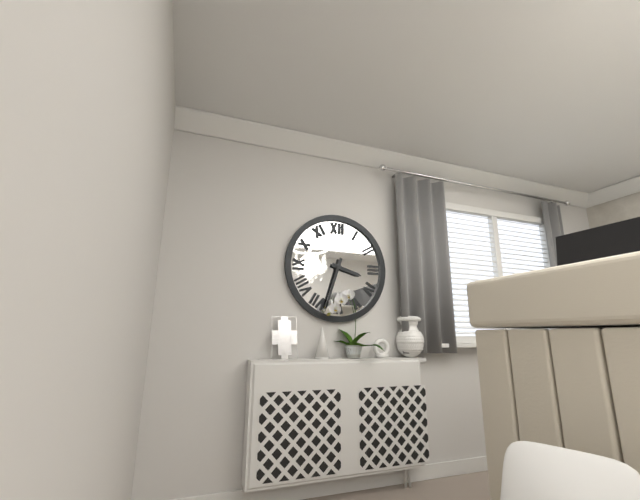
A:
3 h 33 min
